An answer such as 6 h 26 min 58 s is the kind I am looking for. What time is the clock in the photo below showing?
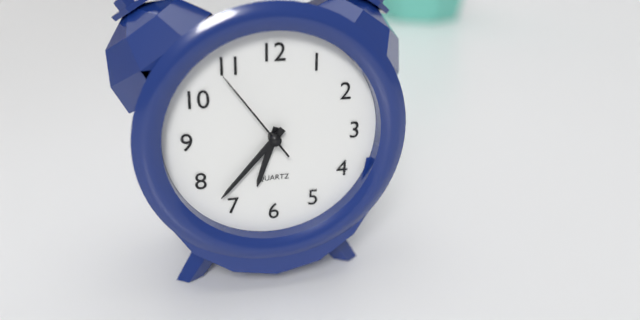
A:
6 h 37 min 54 s
